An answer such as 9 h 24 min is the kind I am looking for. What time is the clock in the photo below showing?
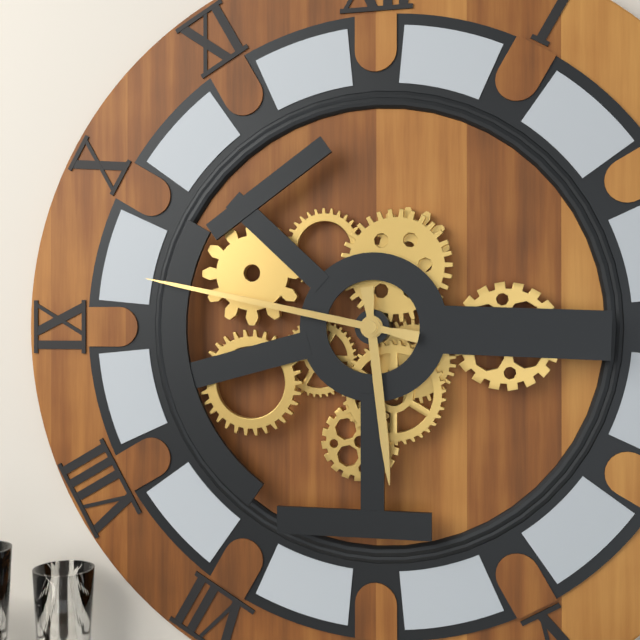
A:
5 h 47 min
